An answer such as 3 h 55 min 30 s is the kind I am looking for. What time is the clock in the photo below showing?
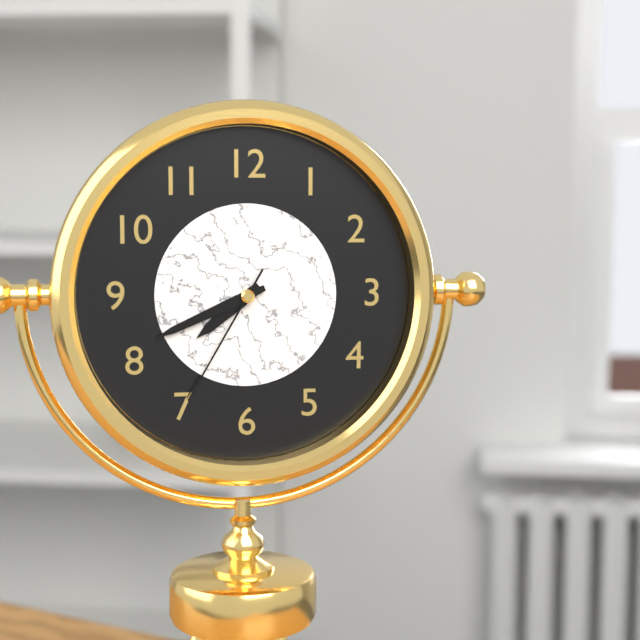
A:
7 h 41 min 35 s
